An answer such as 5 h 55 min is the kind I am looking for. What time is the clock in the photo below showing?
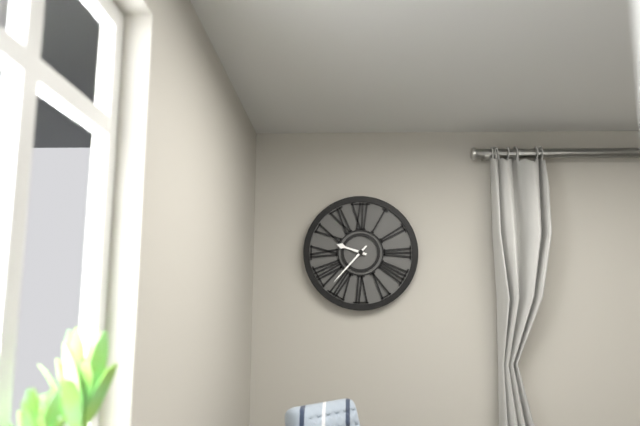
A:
9 h 37 min
